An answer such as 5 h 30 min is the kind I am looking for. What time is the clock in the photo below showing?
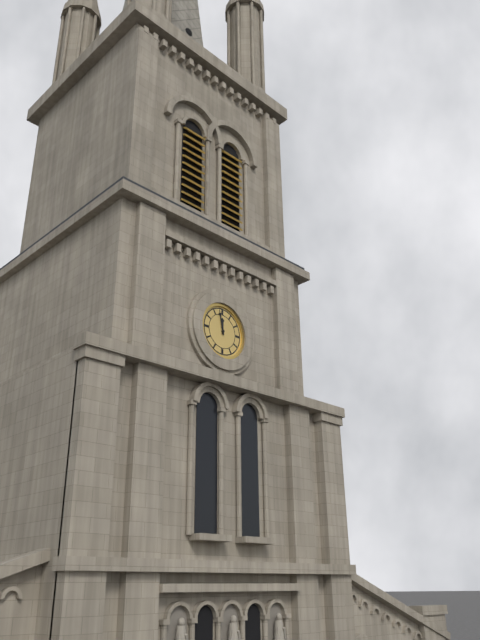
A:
11 h 58 min
